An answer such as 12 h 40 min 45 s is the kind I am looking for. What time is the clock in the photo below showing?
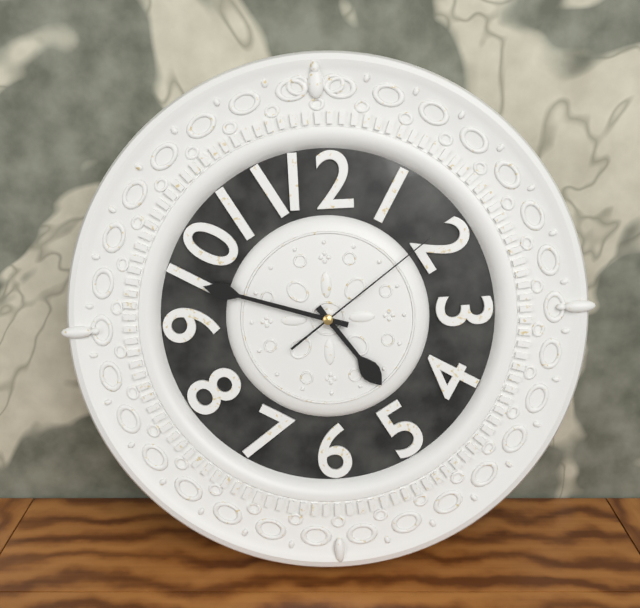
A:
4 h 48 min 09 s
